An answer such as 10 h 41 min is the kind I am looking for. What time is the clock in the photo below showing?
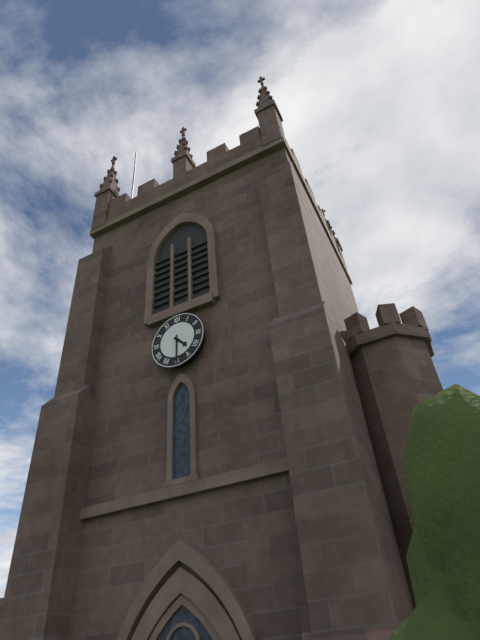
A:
4 h 30 min
